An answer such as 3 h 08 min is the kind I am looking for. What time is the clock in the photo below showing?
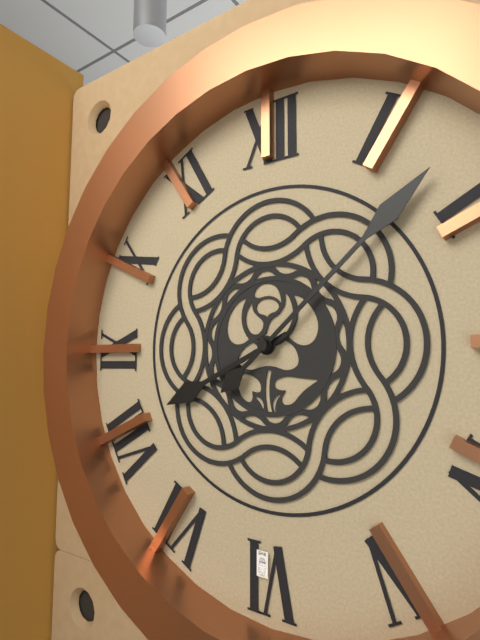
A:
8 h 08 min
